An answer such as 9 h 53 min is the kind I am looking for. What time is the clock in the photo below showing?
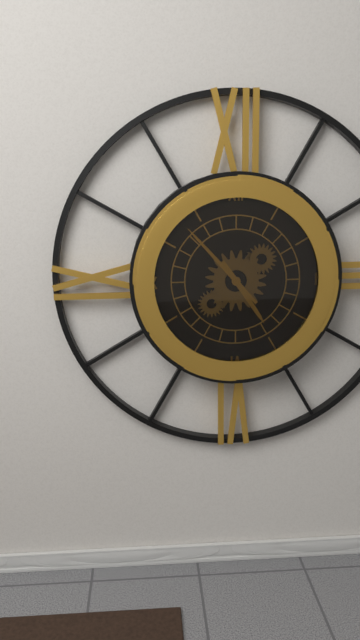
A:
4 h 53 min
